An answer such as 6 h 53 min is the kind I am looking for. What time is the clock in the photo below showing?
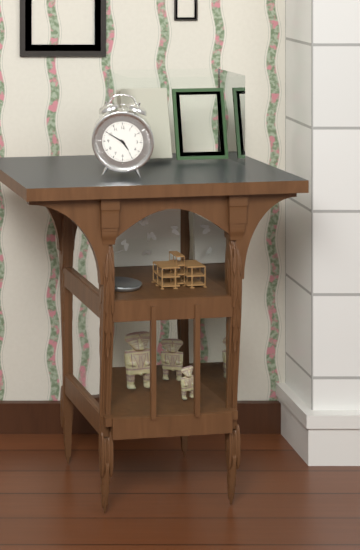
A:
4 h 50 min
